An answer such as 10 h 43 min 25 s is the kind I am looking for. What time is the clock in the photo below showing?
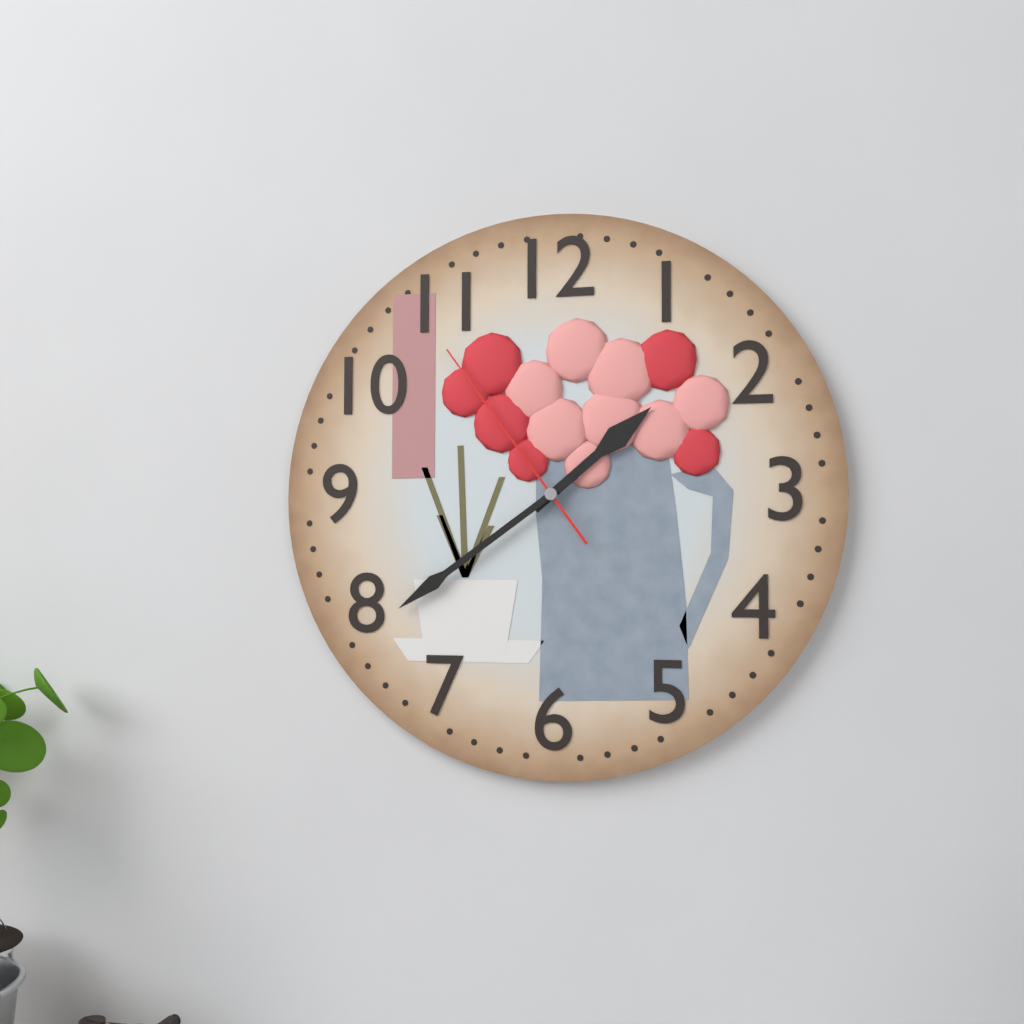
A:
1 h 39 min 54 s
